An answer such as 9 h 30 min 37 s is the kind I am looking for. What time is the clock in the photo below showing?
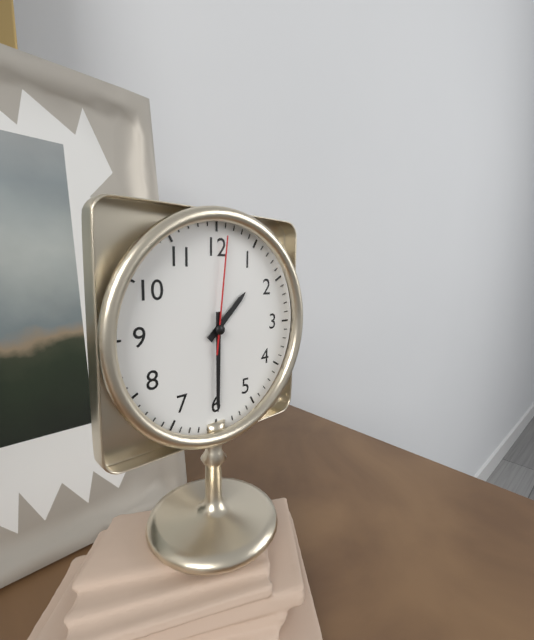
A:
1 h 30 min 01 s
